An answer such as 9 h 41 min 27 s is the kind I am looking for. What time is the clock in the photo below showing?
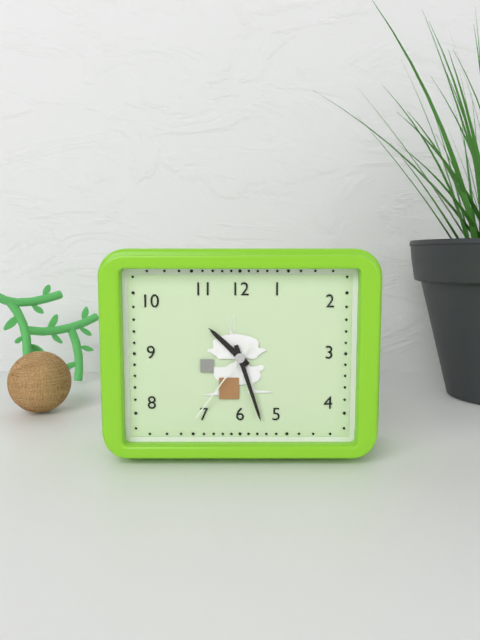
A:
10 h 27 min 36 s
